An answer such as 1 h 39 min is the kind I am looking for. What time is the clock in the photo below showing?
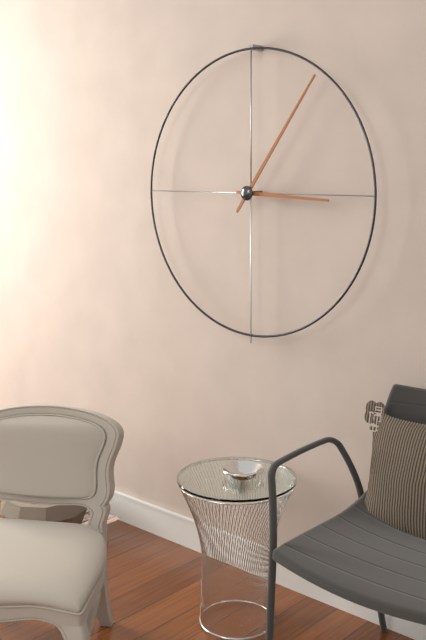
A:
3 h 06 min
